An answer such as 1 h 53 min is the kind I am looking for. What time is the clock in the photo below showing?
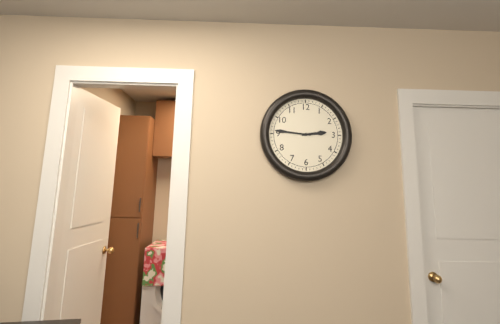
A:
2 h 46 min
